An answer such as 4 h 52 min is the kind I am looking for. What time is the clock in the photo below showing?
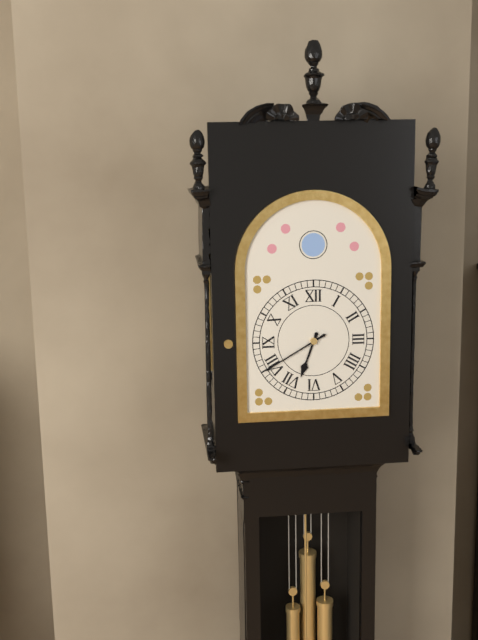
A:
6 h 40 min
